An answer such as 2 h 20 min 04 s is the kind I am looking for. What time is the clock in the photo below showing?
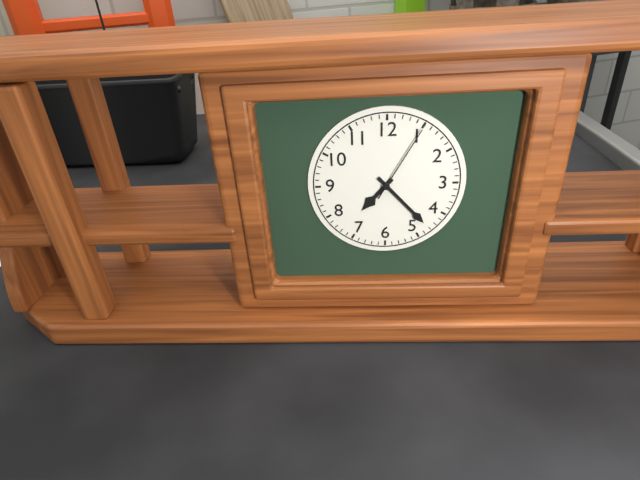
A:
7 h 23 min 05 s
